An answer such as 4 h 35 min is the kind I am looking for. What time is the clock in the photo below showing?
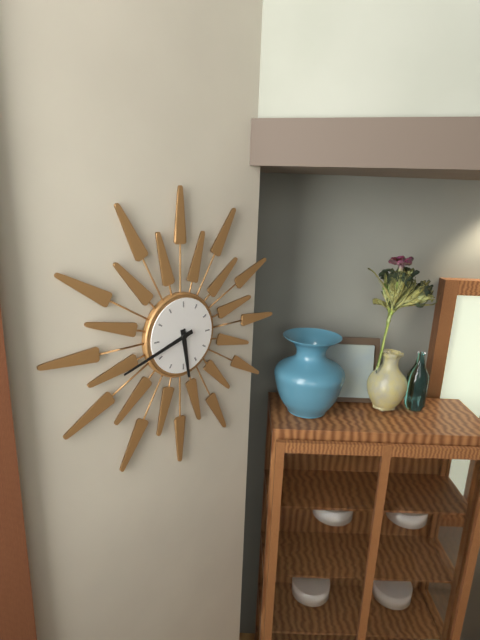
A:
5 h 42 min
